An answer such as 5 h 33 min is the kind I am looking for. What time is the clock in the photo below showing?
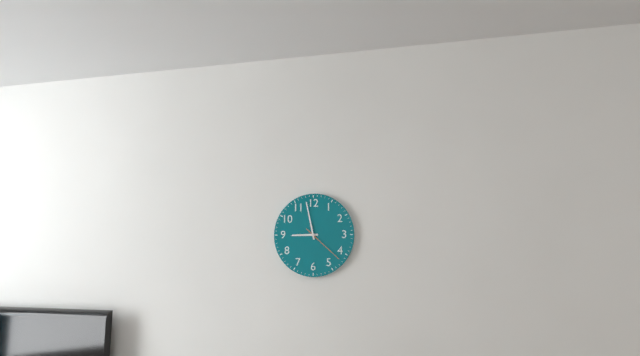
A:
8 h 58 min
